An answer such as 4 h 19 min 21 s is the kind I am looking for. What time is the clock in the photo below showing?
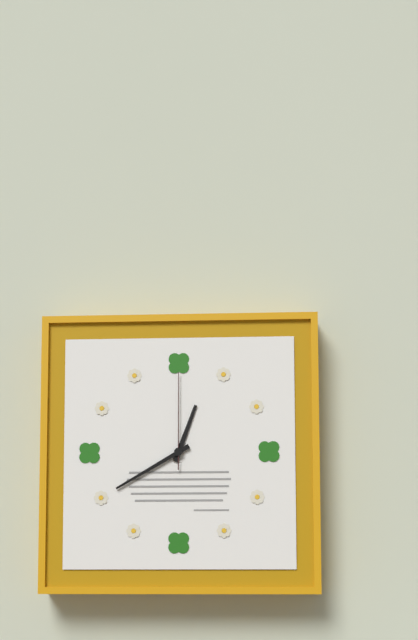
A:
12 h 40 min 00 s
